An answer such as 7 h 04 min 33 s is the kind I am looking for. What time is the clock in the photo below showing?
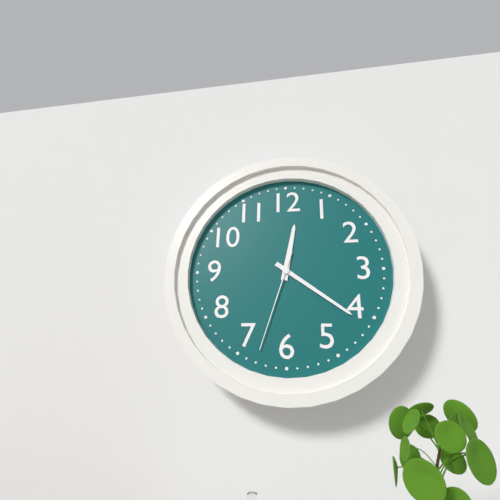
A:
12 h 21 min 33 s
